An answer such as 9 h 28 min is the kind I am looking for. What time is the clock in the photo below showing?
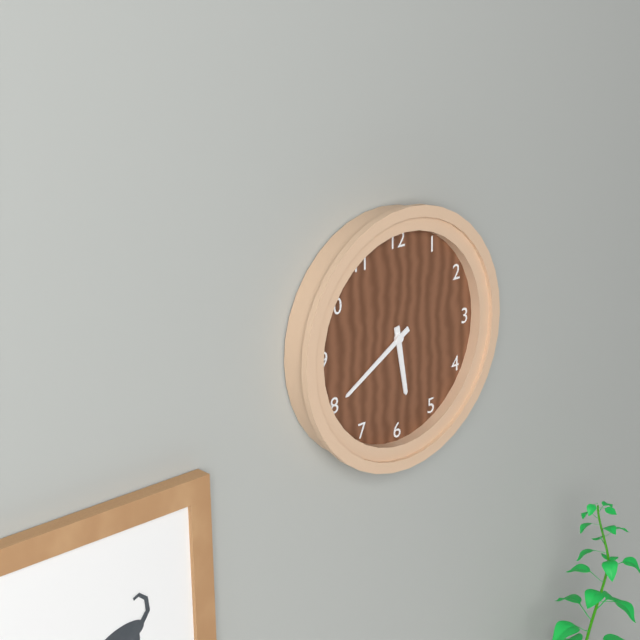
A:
5 h 40 min
